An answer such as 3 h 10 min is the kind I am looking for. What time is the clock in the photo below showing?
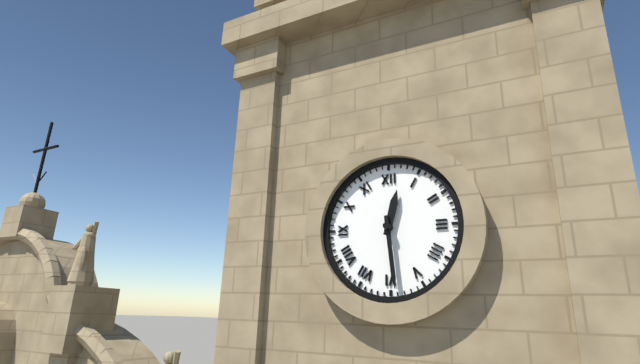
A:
12 h 29 min
